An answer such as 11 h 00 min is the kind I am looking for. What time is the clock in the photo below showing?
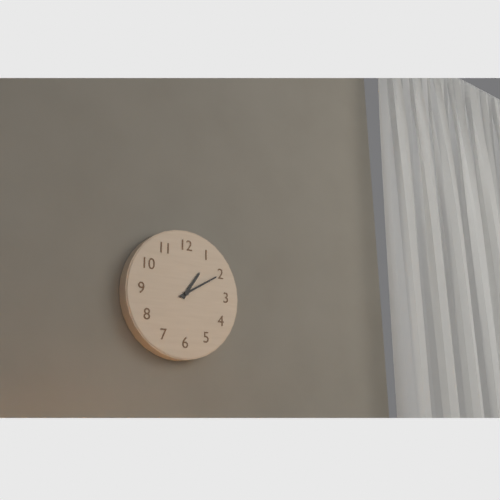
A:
1 h 10 min
